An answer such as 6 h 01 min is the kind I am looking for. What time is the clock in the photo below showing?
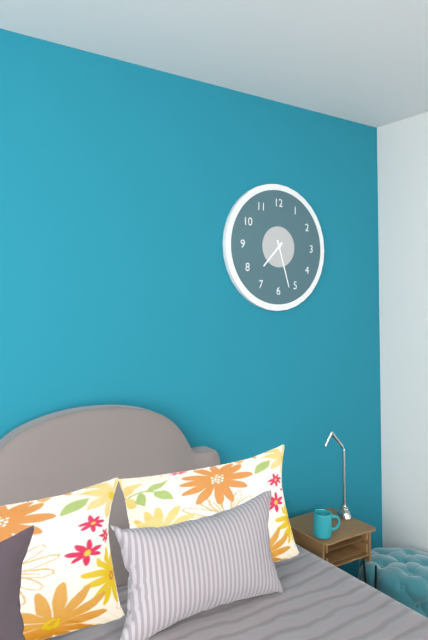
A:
7 h 27 min
